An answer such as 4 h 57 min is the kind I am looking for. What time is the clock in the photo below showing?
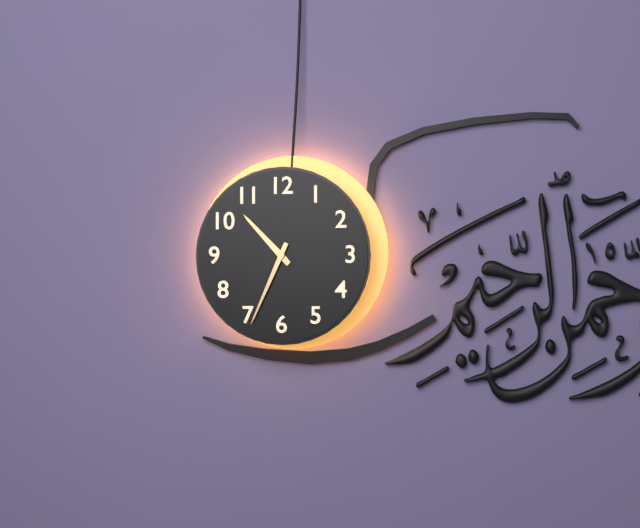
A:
10 h 34 min
